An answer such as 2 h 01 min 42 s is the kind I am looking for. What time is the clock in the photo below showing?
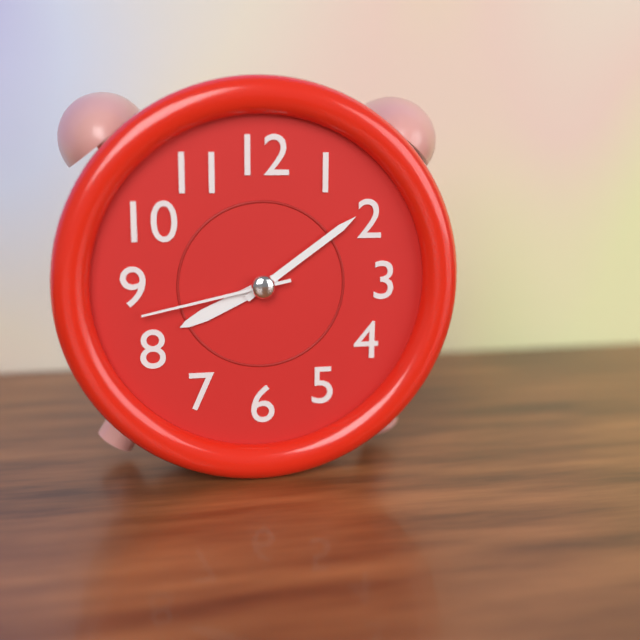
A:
8 h 09 min 43 s
